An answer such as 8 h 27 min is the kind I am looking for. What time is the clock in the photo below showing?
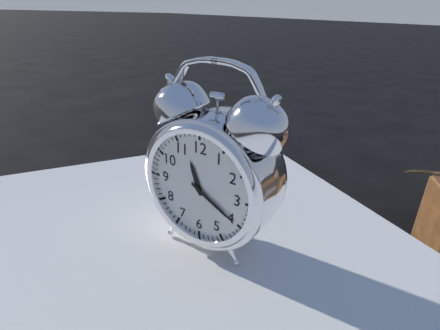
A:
11 h 20 min
